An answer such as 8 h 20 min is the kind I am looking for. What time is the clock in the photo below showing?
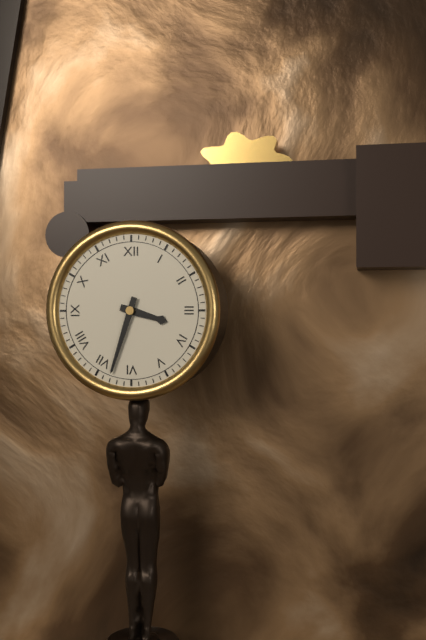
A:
3 h 33 min
